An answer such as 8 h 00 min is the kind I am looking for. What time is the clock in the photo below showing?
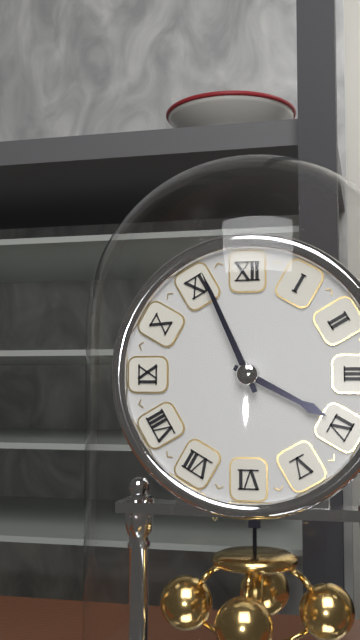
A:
3 h 56 min
